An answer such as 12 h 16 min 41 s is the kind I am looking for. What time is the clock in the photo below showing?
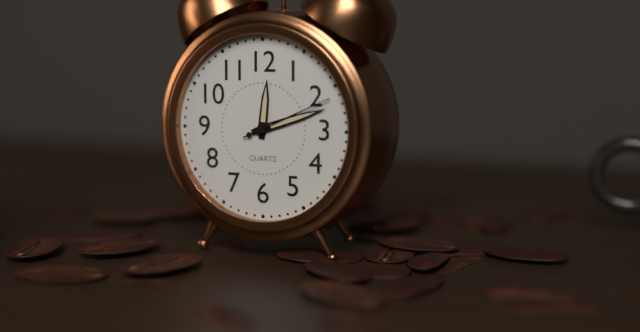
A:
12 h 12 min 11 s
